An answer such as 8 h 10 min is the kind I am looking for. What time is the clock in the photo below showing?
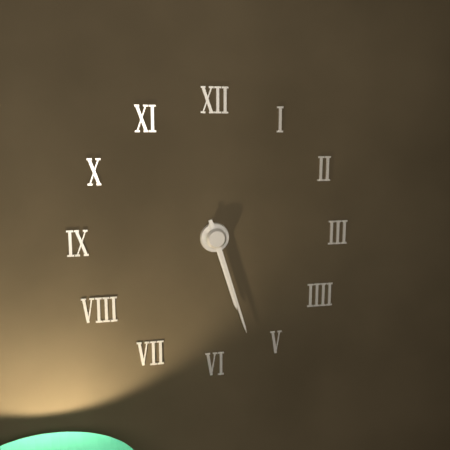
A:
5 h 27 min
